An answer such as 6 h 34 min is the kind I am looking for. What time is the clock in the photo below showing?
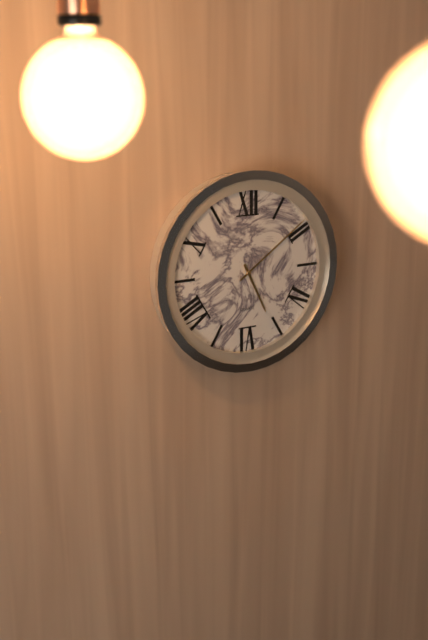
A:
5 h 09 min
